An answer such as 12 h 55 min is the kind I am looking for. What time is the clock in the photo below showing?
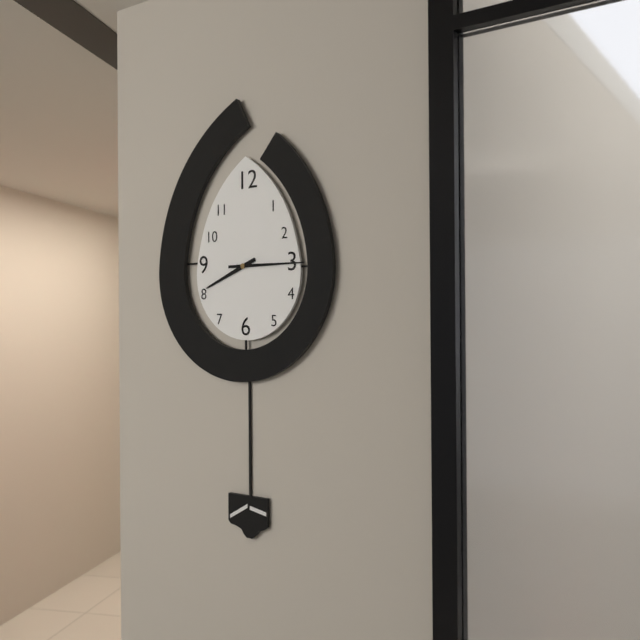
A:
8 h 15 min
